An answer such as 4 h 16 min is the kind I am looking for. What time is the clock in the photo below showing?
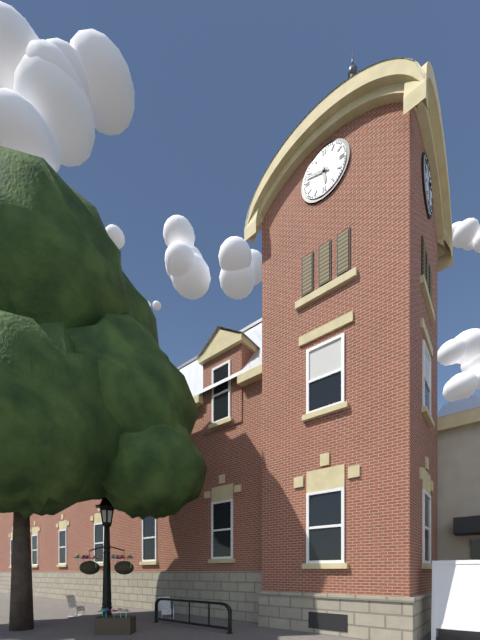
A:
5 h 48 min
